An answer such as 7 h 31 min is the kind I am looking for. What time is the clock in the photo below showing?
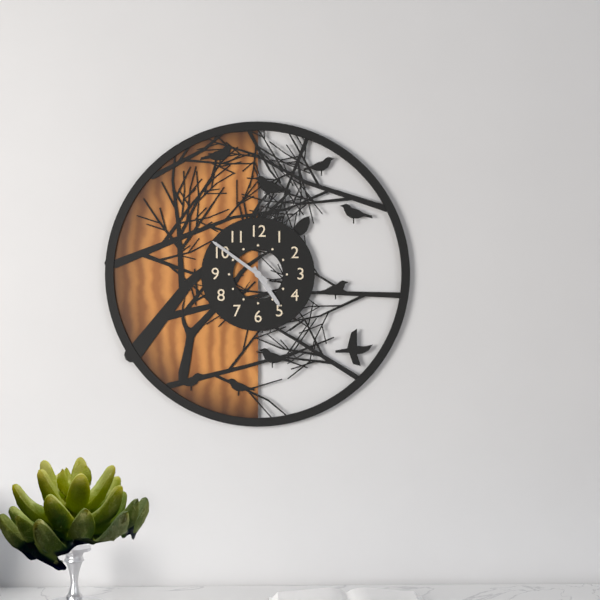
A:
4 h 51 min
